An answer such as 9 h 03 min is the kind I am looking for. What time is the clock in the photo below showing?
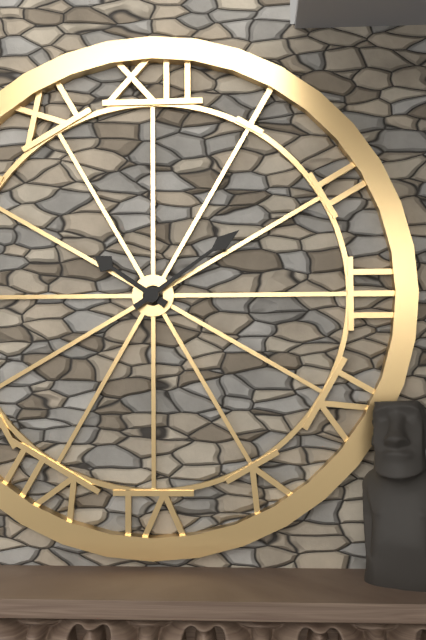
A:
10 h 09 min
